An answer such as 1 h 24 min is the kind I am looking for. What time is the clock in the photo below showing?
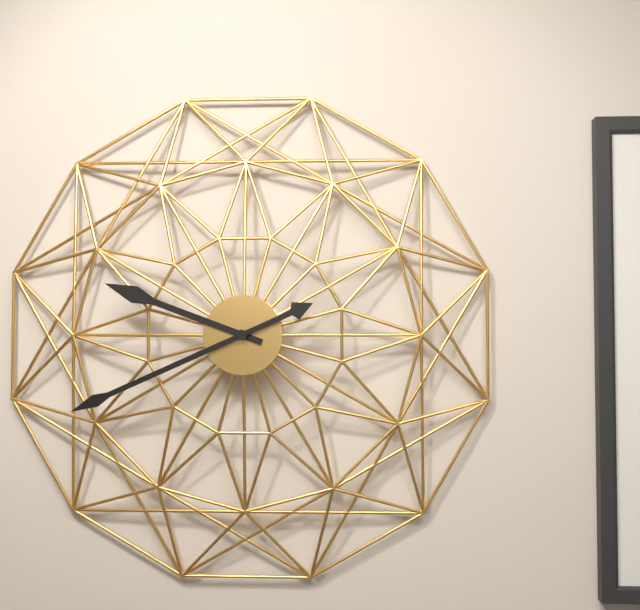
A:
9 h 41 min
